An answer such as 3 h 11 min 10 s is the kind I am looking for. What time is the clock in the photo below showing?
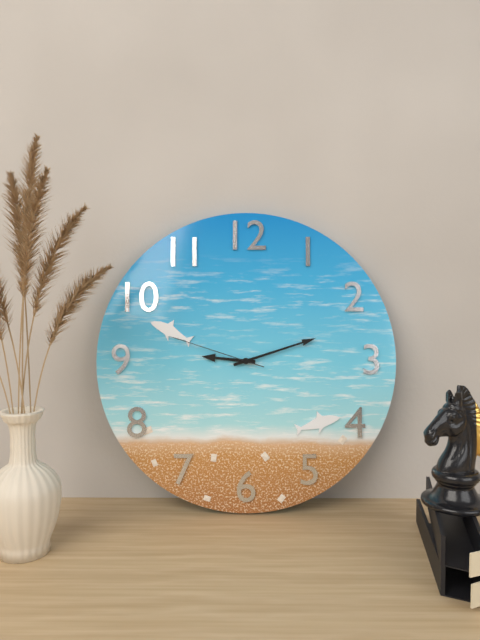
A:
9 h 12 min 48 s
